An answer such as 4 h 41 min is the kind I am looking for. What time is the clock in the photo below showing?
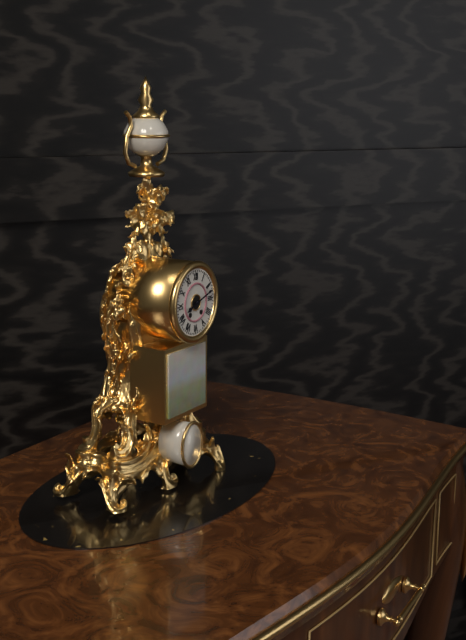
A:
8 h 12 min
